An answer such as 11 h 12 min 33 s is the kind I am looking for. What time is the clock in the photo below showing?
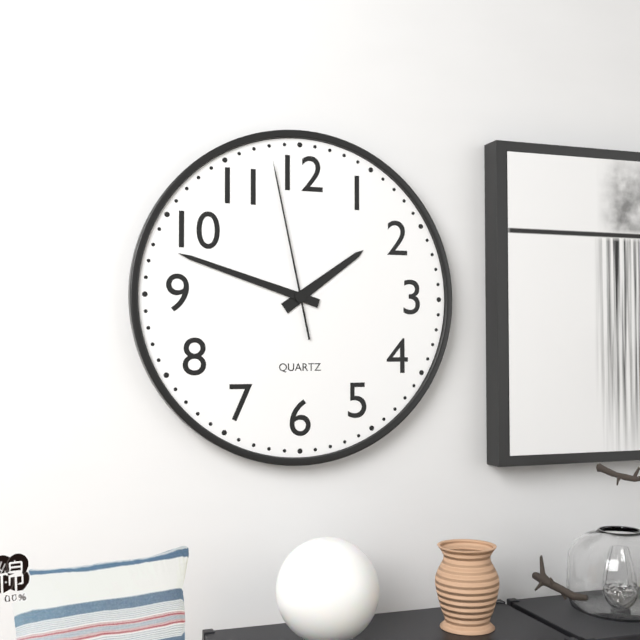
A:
1 h 48 min 58 s
